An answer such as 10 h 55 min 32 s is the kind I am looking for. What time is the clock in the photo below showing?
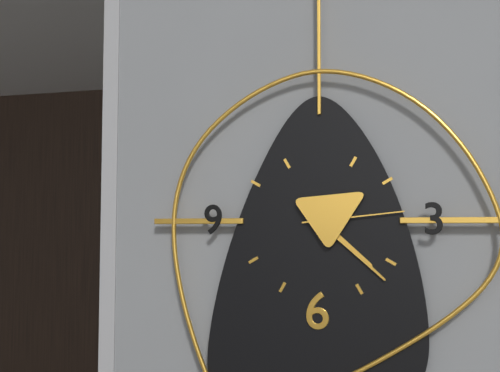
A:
4 h 22 min 14 s
